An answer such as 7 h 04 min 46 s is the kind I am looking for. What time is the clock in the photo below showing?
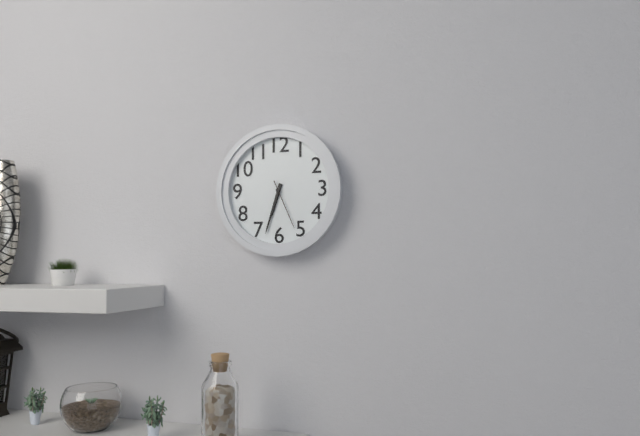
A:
6 h 33 min 26 s
